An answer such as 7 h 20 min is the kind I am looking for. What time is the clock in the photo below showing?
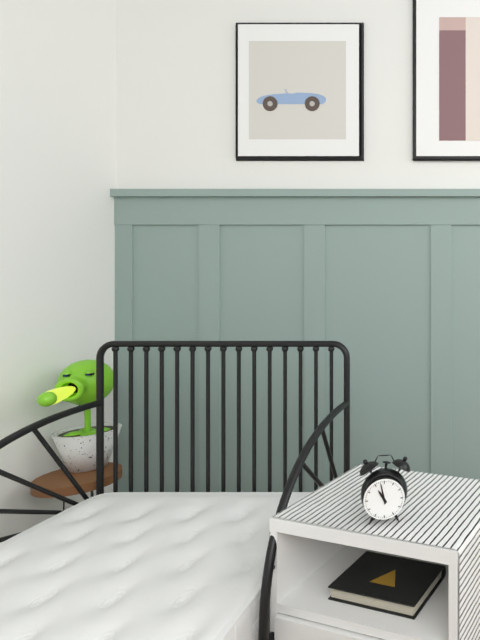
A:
10 h 58 min
